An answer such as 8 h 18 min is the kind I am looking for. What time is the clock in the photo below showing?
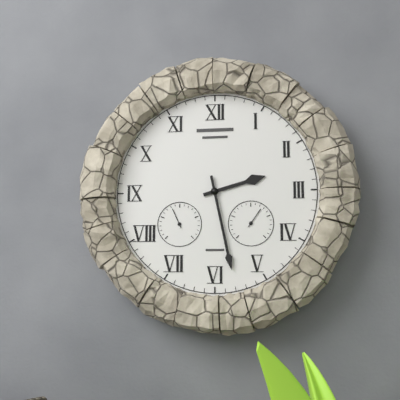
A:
2 h 28 min
